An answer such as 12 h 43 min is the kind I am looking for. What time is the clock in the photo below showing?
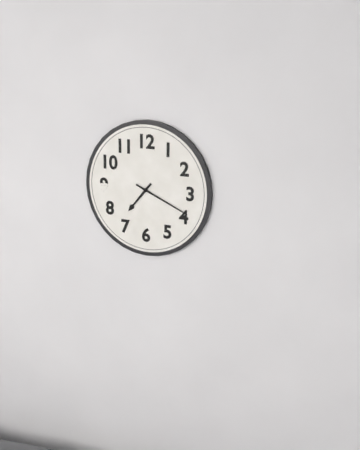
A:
7 h 19 min
